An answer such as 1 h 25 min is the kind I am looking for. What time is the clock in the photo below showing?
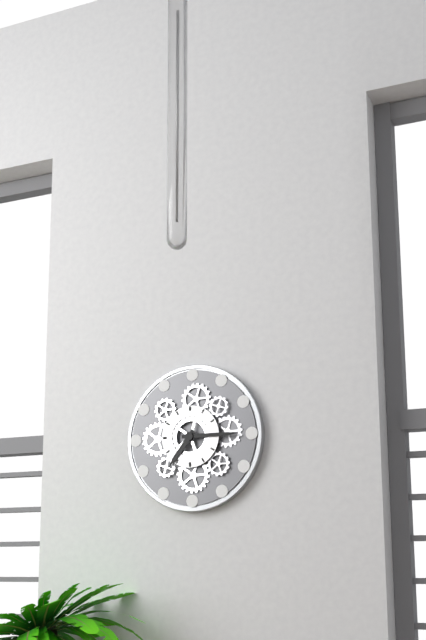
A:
7 h 15 min
